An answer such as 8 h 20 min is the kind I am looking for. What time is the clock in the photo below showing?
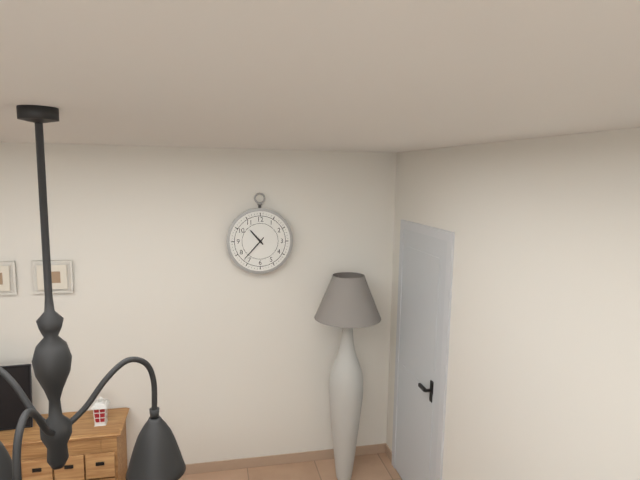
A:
10 h 37 min
